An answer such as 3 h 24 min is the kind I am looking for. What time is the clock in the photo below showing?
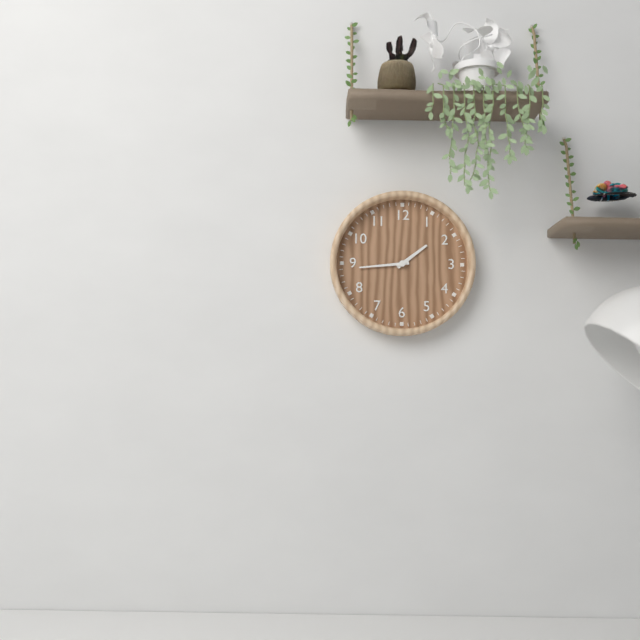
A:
1 h 44 min
